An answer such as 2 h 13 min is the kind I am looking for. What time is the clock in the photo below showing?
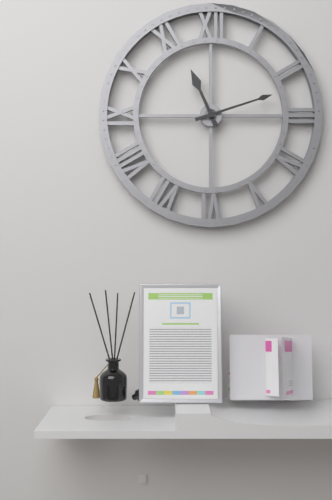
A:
11 h 12 min
